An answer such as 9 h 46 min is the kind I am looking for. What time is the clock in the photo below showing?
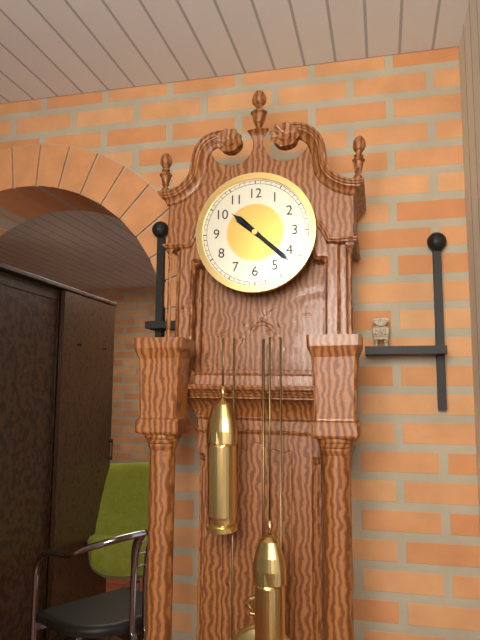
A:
10 h 22 min
